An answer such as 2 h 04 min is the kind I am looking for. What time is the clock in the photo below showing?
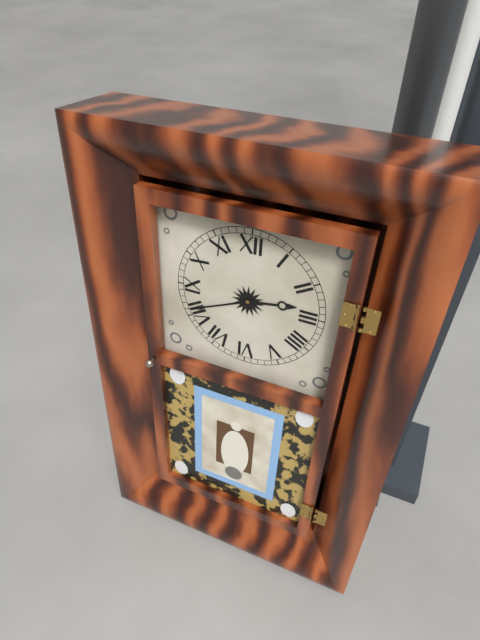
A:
2 h 41 min
